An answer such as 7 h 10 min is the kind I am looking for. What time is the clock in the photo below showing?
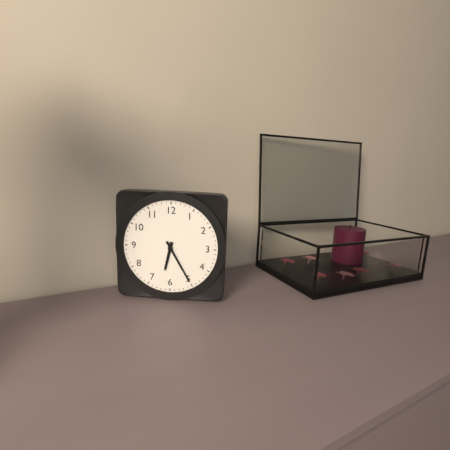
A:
6 h 25 min
